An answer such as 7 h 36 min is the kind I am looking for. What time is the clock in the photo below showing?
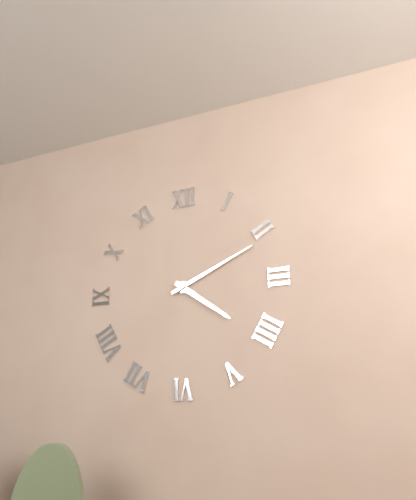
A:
4 h 11 min
